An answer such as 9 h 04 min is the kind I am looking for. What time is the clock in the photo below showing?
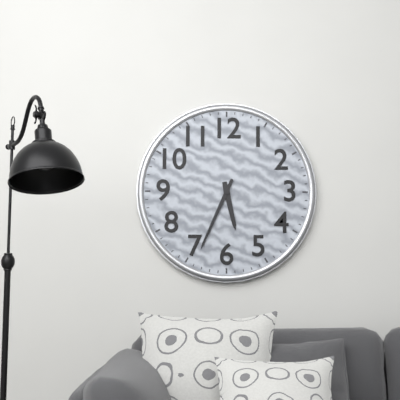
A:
5 h 34 min
